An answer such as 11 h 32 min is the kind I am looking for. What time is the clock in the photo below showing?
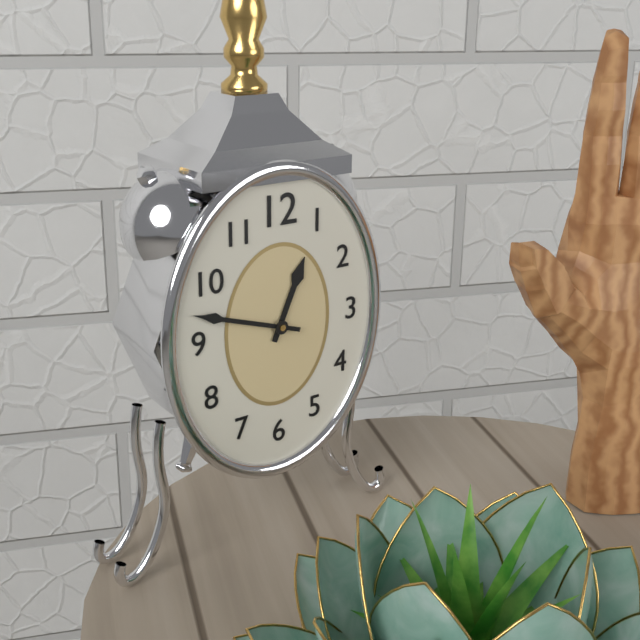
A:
12 h 48 min
